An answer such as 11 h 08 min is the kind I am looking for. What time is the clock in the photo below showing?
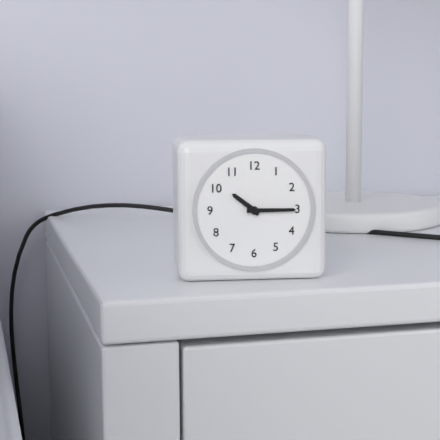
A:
10 h 15 min
